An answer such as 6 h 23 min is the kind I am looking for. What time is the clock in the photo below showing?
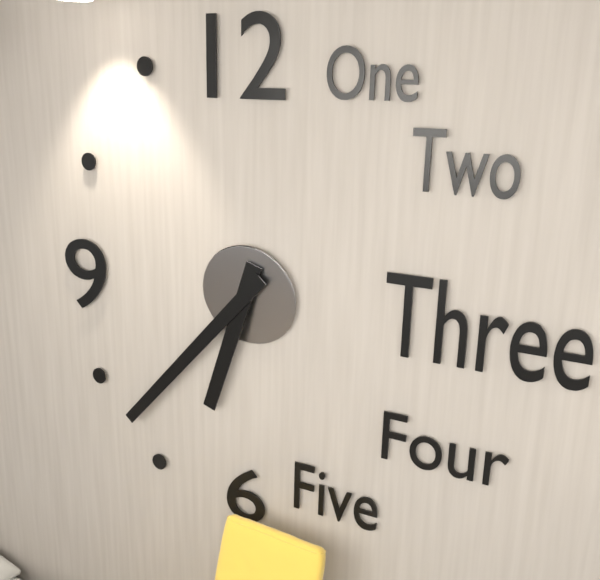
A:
6 h 37 min
